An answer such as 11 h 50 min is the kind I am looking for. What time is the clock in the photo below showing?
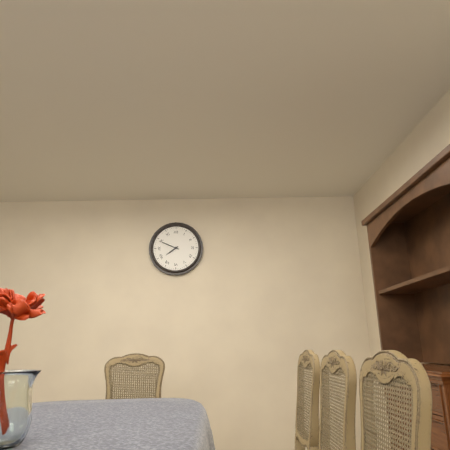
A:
7 h 49 min
